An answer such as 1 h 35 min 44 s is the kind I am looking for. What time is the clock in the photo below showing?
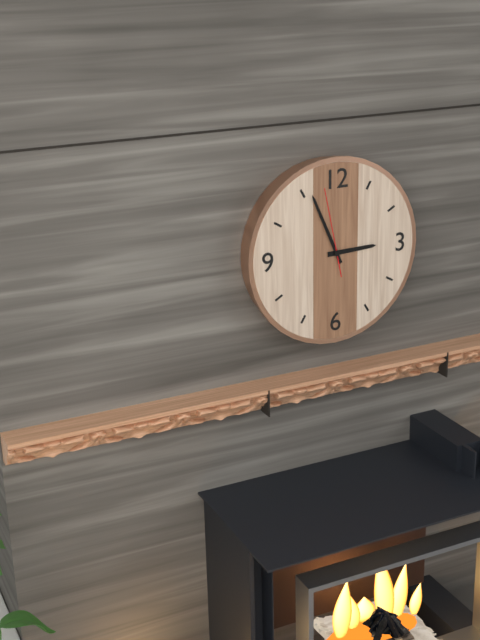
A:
2 h 56 min 58 s
